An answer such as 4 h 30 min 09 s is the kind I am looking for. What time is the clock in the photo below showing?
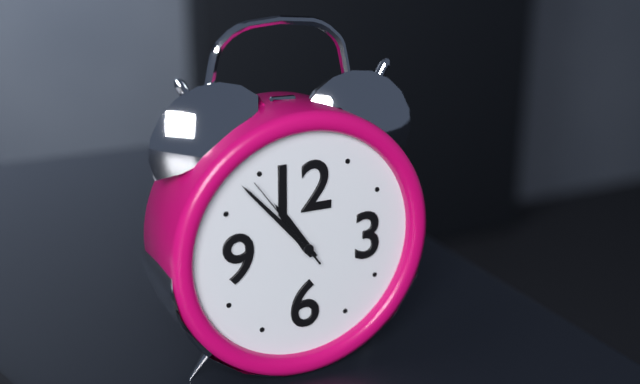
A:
10 h 53 min 54 s
